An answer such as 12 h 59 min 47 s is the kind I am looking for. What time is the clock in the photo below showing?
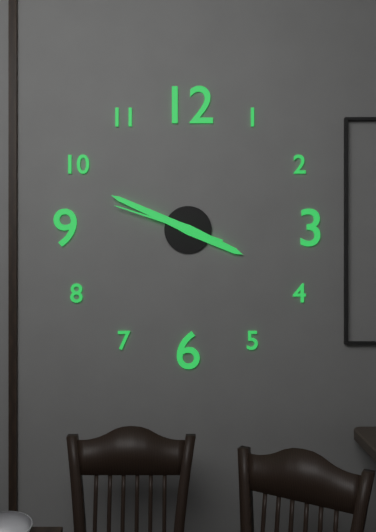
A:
3 h 49 min 48 s
